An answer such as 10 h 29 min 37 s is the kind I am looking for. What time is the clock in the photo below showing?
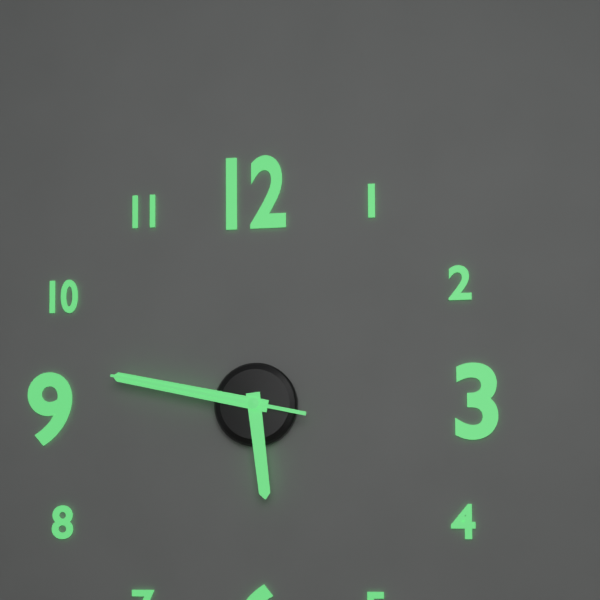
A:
5 h 47 min 47 s
